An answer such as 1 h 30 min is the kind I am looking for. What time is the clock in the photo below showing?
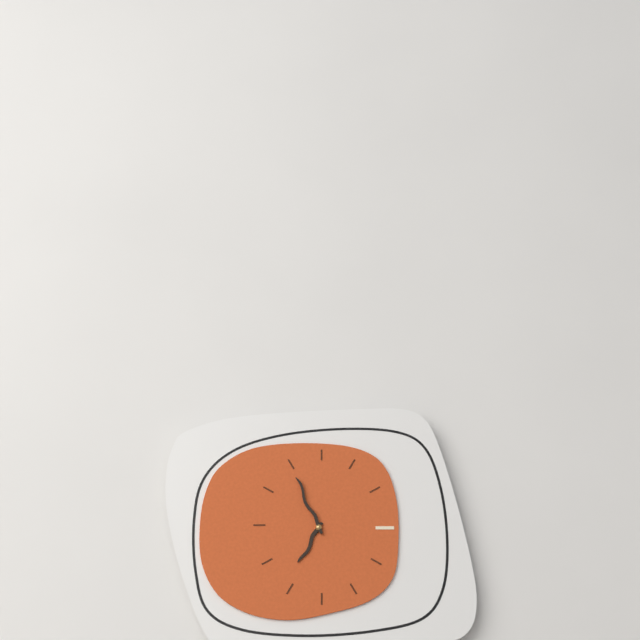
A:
6 h 56 min
